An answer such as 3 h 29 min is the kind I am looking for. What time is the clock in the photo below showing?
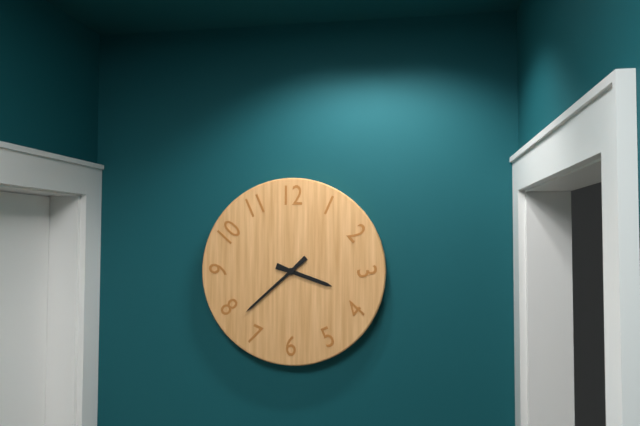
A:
3 h 38 min
